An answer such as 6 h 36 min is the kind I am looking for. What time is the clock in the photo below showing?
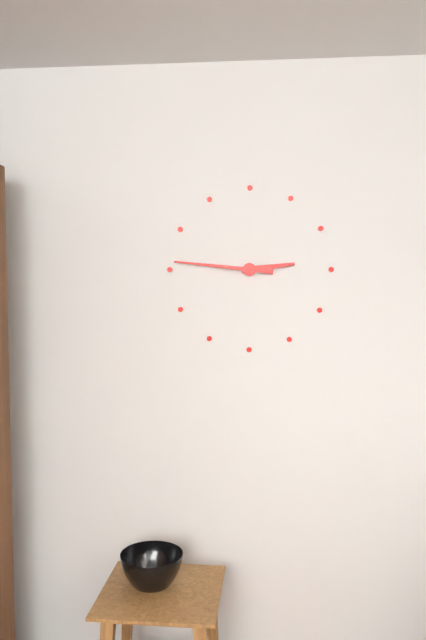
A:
2 h 46 min
